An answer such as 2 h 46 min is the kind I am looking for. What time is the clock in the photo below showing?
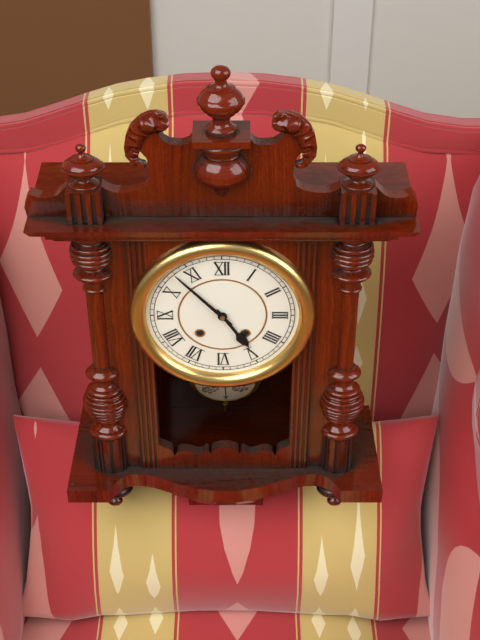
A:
4 h 53 min
